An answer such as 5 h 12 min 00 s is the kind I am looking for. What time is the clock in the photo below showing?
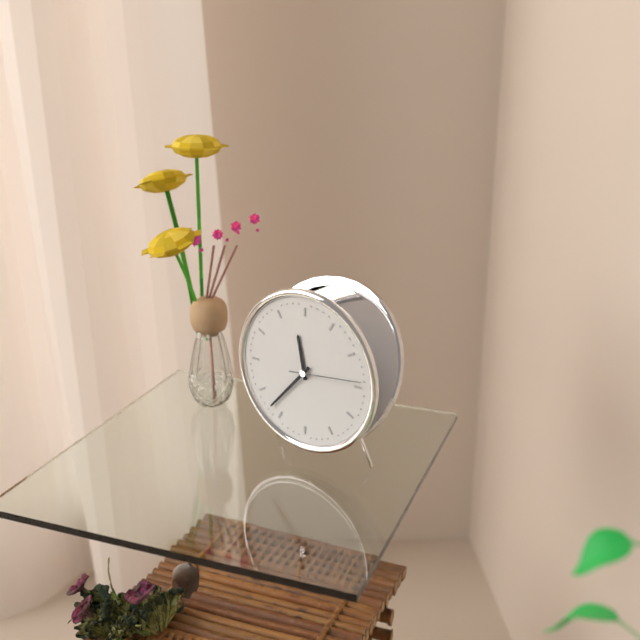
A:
11 h 37 min 14 s
